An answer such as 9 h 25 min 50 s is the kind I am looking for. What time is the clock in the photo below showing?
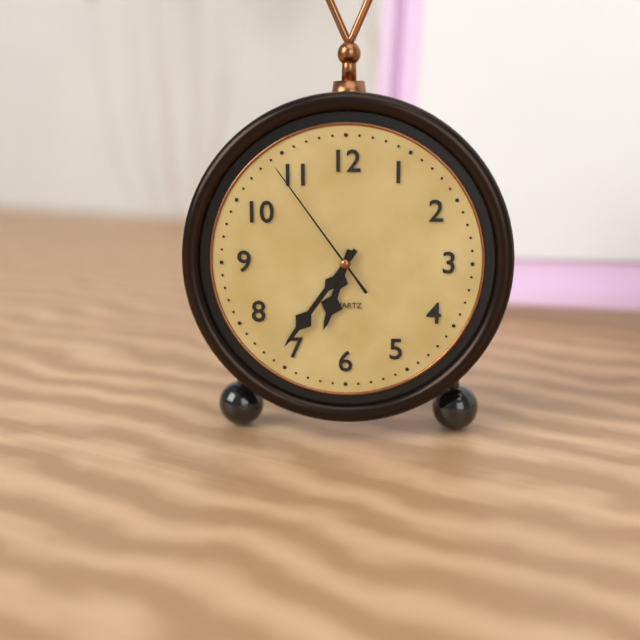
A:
6 h 36 min 54 s
